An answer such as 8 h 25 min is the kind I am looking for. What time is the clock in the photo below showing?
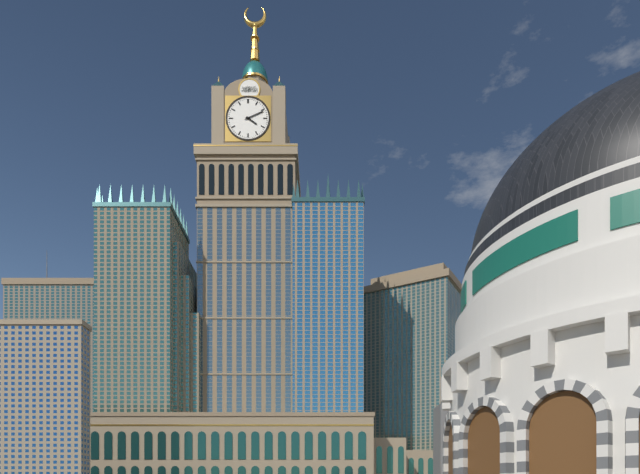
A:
4 h 11 min
